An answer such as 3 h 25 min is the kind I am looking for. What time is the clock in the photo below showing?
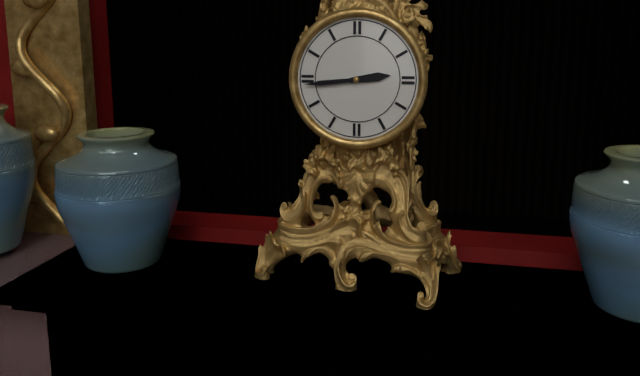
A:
2 h 44 min
